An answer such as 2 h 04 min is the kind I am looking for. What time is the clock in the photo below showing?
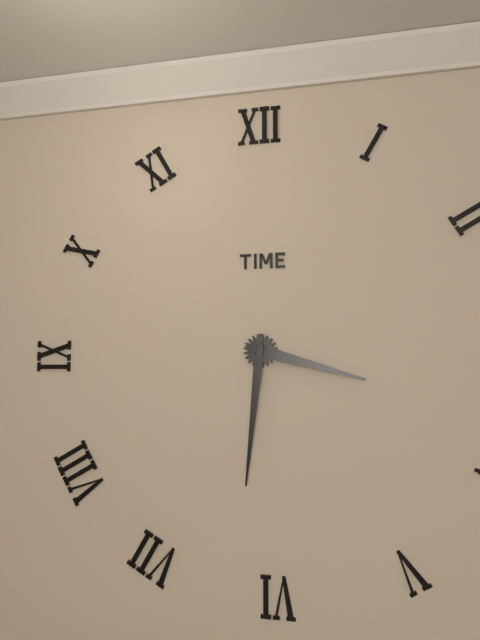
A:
3 h 31 min
